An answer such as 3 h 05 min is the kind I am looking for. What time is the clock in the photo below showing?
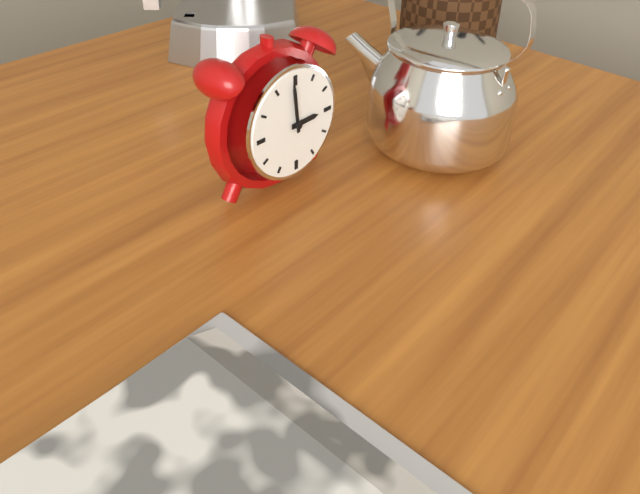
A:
2 h 59 min
